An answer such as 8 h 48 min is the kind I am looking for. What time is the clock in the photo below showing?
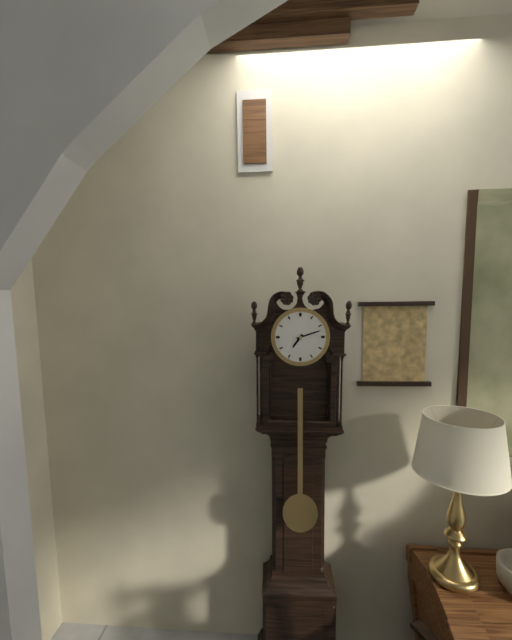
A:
7 h 12 min
